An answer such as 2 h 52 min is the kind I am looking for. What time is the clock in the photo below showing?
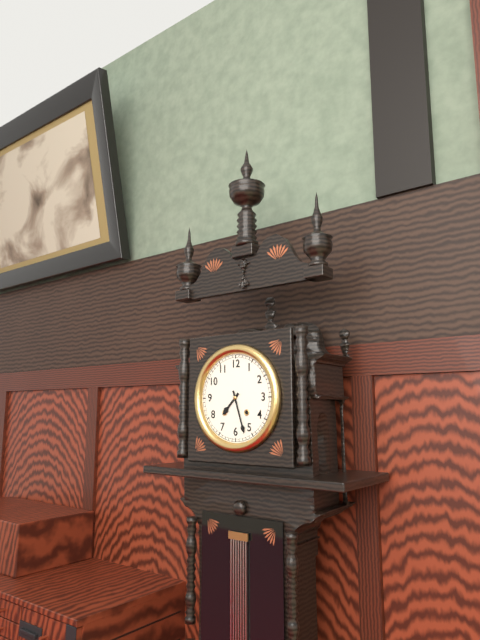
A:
7 h 27 min
